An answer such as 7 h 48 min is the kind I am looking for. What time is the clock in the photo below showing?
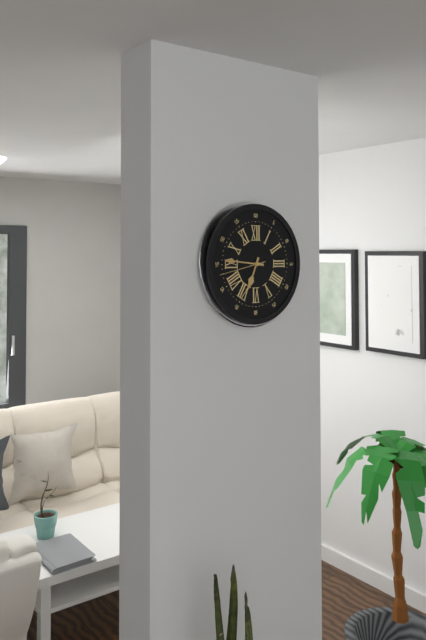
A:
6 h 46 min
